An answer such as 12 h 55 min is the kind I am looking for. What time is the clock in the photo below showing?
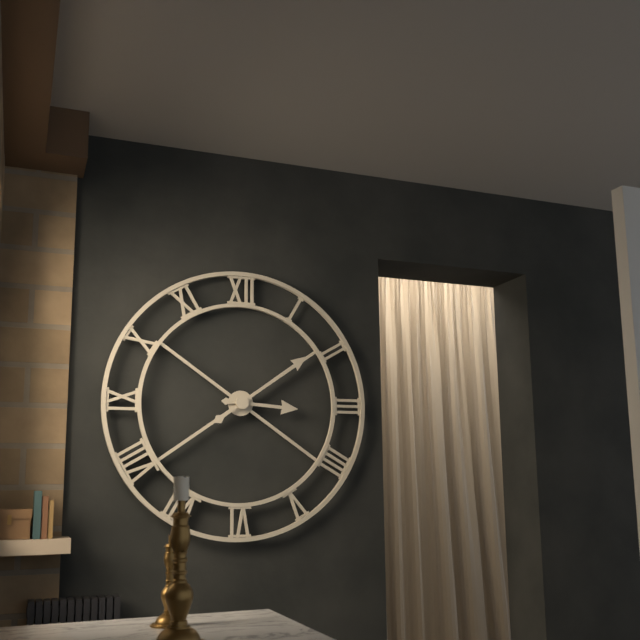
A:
3 h 09 min
